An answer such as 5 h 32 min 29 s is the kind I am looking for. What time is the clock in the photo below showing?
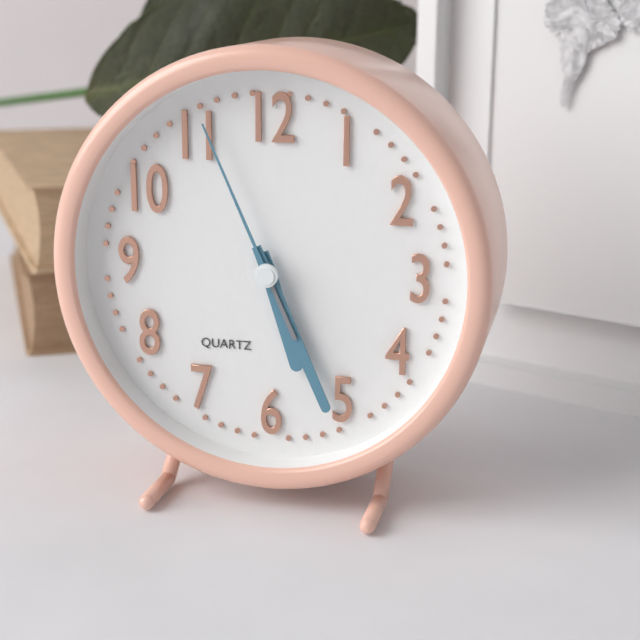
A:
5 h 26 min 56 s
